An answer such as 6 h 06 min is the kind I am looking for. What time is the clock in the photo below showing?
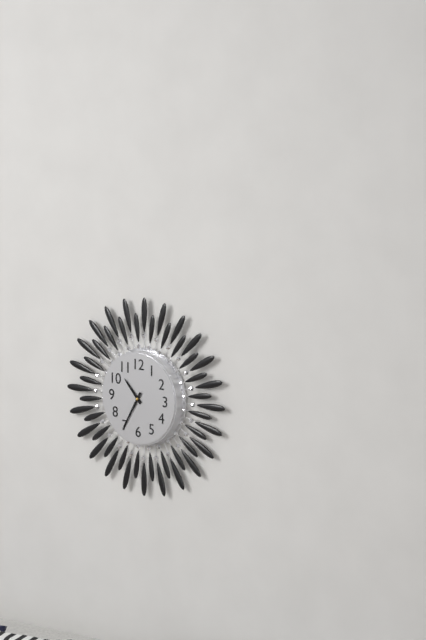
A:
10 h 35 min
